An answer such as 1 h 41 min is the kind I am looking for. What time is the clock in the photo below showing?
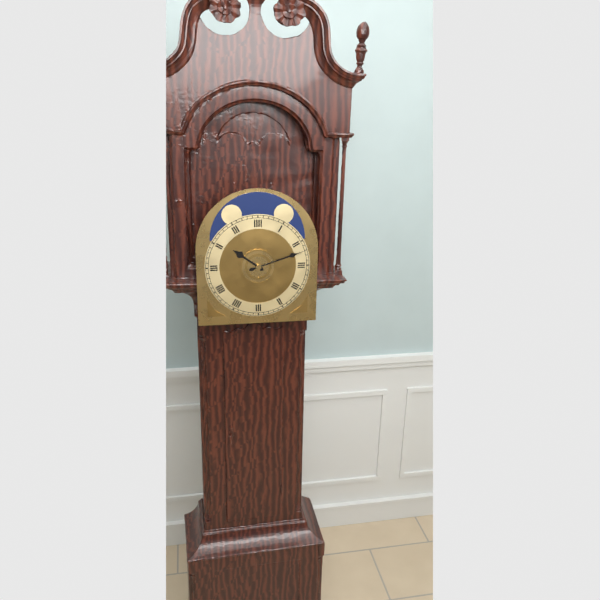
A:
10 h 12 min
